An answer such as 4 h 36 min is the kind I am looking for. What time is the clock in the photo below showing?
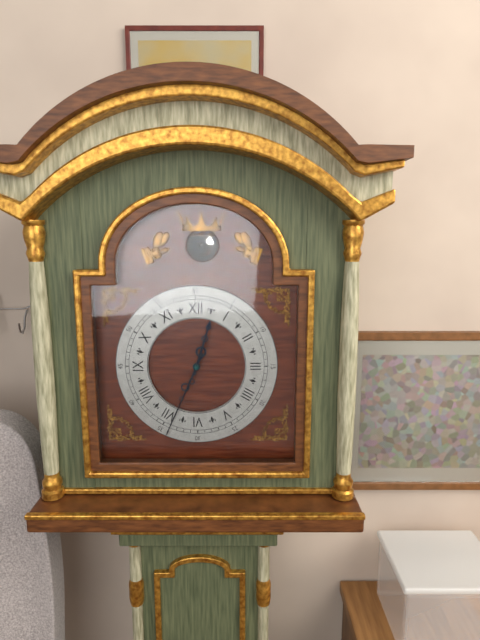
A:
12 h 34 min
